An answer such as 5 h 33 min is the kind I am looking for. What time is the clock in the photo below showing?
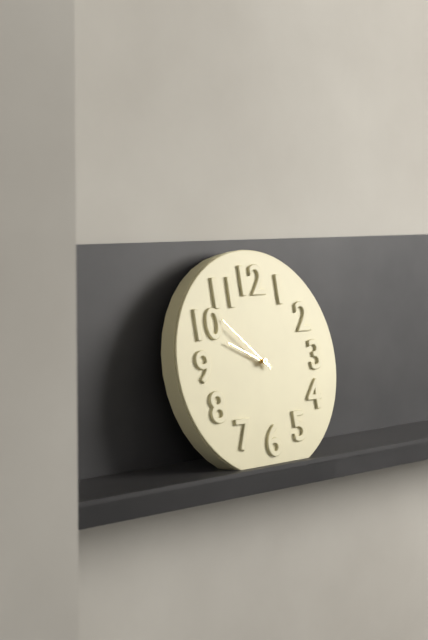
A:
9 h 52 min
